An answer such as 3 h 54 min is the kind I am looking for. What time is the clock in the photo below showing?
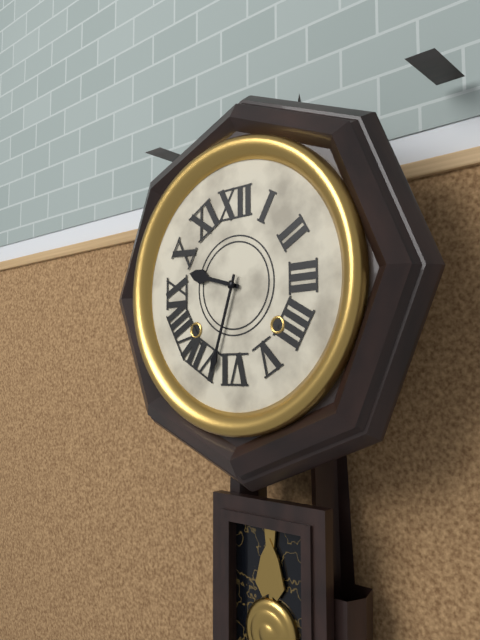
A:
9 h 33 min
